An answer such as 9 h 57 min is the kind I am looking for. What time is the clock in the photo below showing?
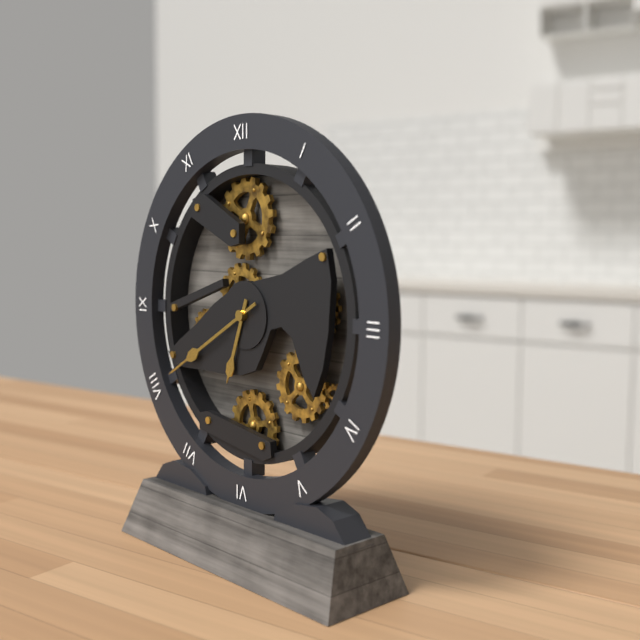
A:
6 h 40 min
